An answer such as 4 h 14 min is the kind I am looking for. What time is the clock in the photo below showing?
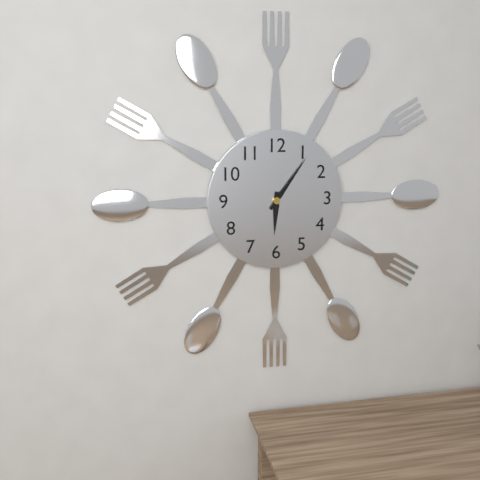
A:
6 h 06 min
